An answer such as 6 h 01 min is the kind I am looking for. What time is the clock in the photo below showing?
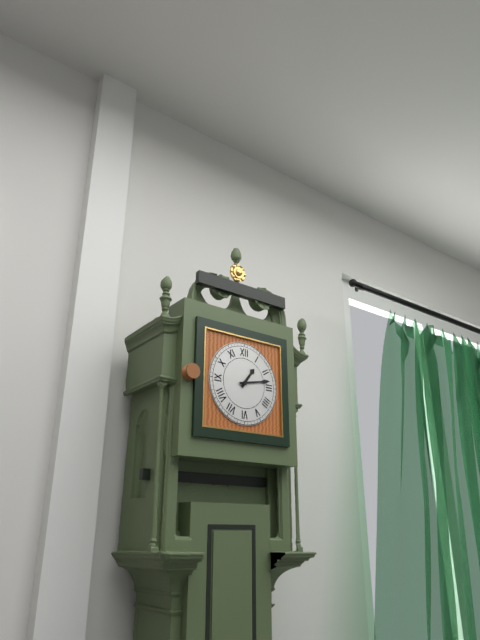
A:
1 h 13 min
